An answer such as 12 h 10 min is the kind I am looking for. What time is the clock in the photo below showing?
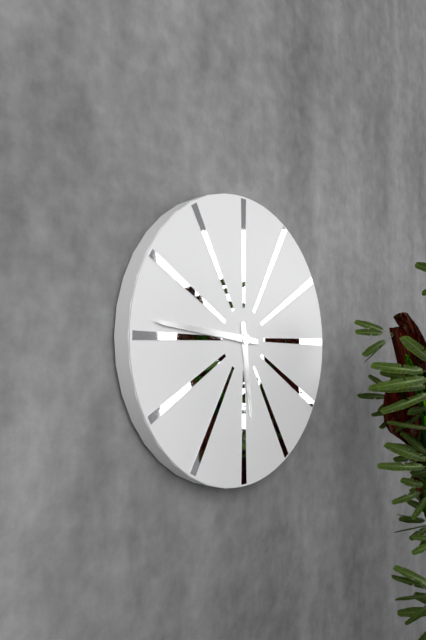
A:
5 h 46 min
